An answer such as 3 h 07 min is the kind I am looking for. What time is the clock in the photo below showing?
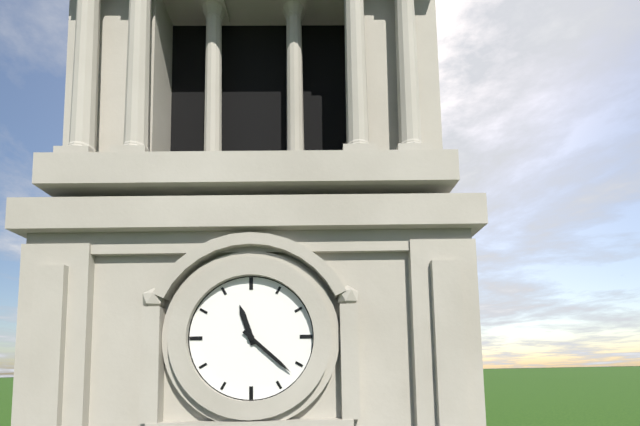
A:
11 h 22 min
